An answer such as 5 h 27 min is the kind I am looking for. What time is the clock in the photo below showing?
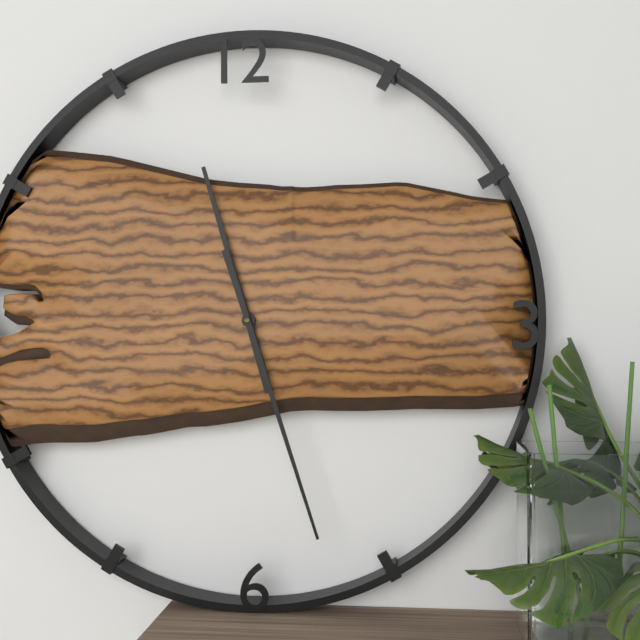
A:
11 h 27 min
